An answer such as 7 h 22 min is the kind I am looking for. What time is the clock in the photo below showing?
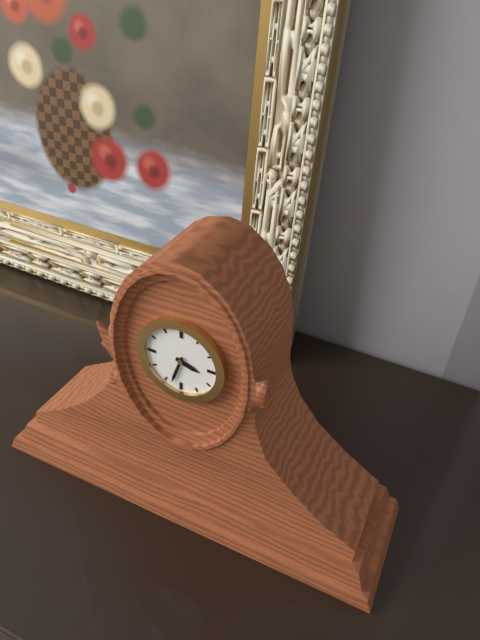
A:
3 h 33 min
